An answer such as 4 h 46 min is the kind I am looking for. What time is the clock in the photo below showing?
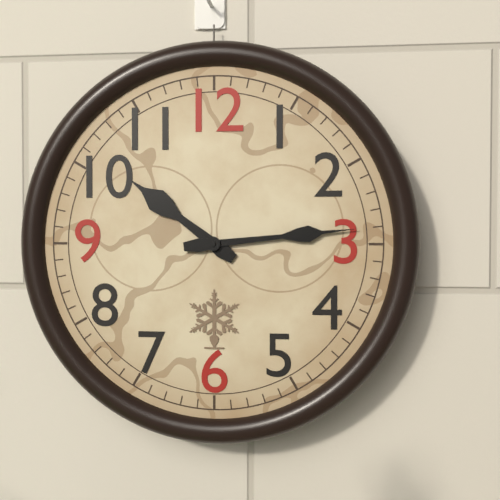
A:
10 h 14 min
